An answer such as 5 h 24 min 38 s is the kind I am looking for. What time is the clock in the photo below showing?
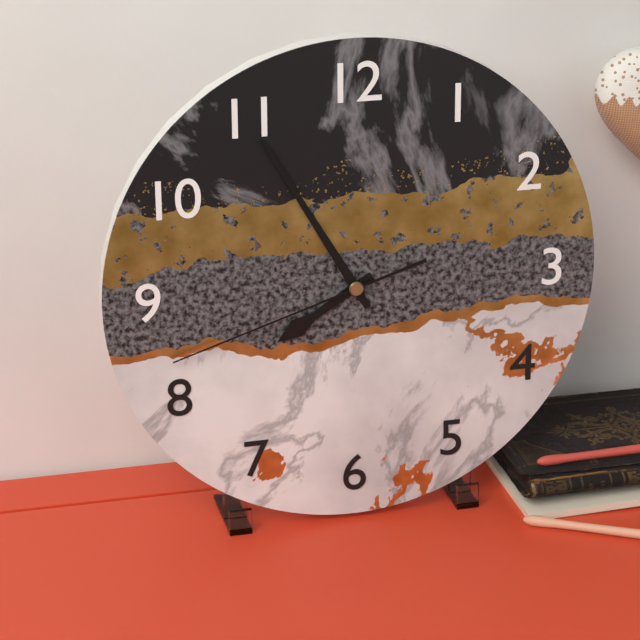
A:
7 h 55 min 42 s
